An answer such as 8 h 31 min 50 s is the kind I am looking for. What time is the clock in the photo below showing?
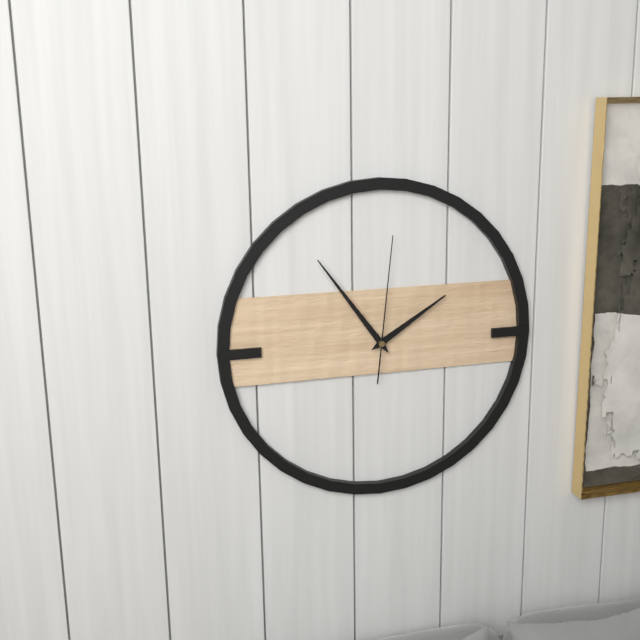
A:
1 h 54 min 01 s
